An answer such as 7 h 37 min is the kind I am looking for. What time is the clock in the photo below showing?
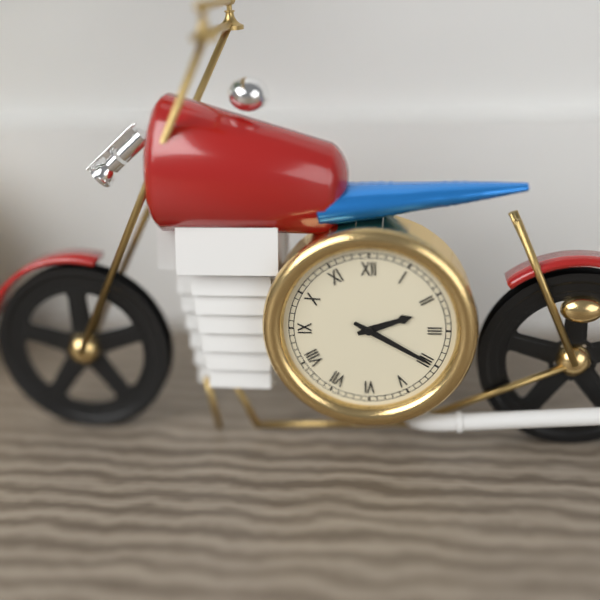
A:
2 h 20 min
